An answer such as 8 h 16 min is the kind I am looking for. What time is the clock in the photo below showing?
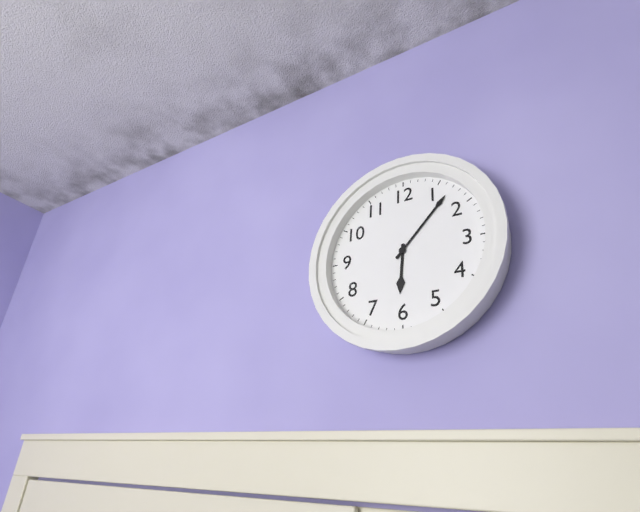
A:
6 h 07 min
